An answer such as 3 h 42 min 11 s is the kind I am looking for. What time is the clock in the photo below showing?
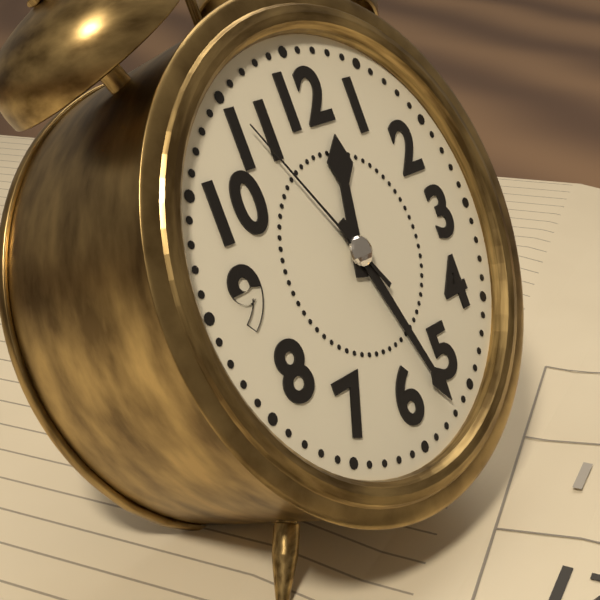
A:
12 h 27 min 55 s
